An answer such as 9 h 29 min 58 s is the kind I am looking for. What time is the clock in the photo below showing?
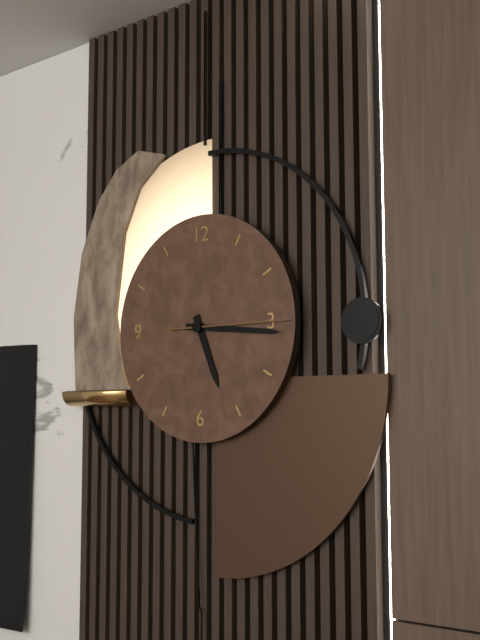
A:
5 h 16 min 15 s
